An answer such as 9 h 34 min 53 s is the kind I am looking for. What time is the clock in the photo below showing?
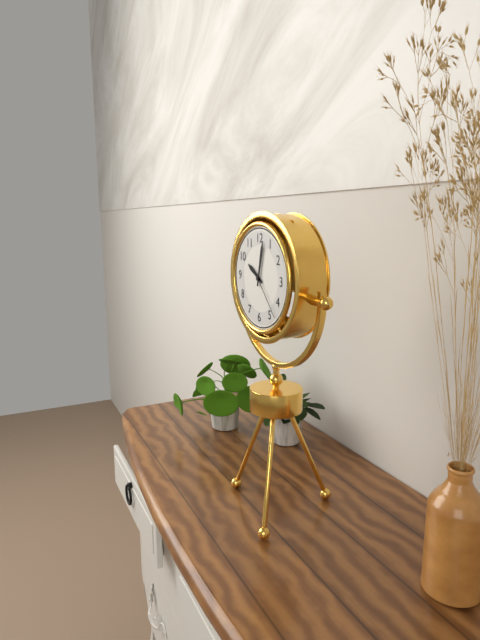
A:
10 h 02 min 23 s
